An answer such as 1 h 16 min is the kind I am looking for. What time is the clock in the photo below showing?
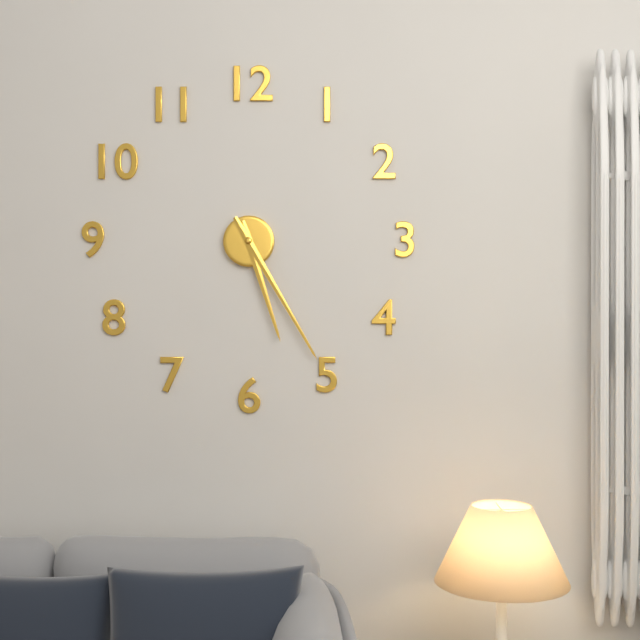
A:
5 h 25 min
